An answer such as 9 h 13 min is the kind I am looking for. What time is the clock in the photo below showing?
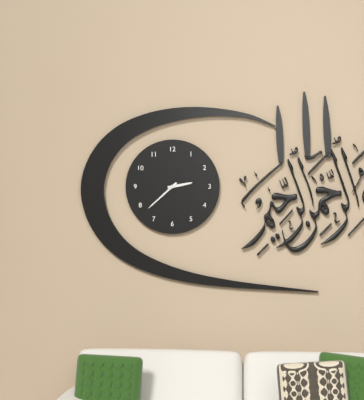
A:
2 h 38 min
